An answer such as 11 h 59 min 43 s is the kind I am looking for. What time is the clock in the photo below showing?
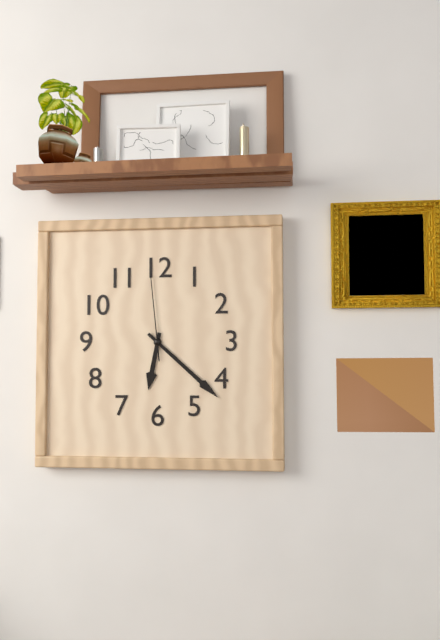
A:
6 h 22 min 59 s
